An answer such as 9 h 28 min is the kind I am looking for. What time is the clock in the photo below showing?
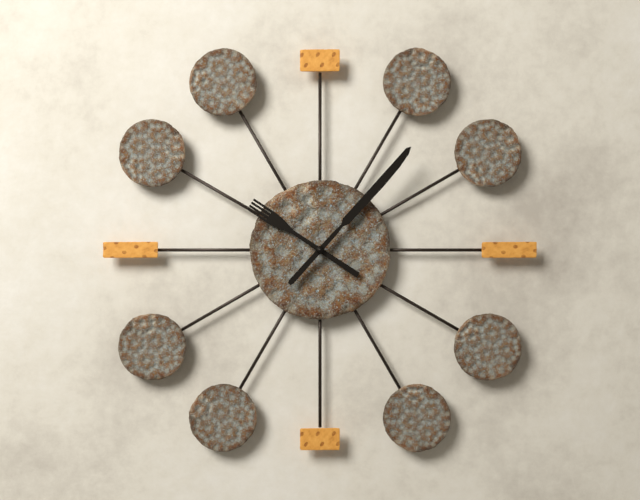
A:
10 h 07 min
